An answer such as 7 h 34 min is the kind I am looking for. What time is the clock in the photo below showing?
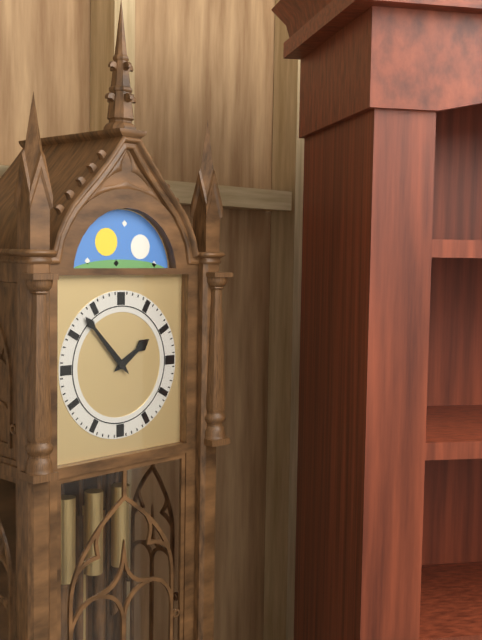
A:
1 h 53 min
